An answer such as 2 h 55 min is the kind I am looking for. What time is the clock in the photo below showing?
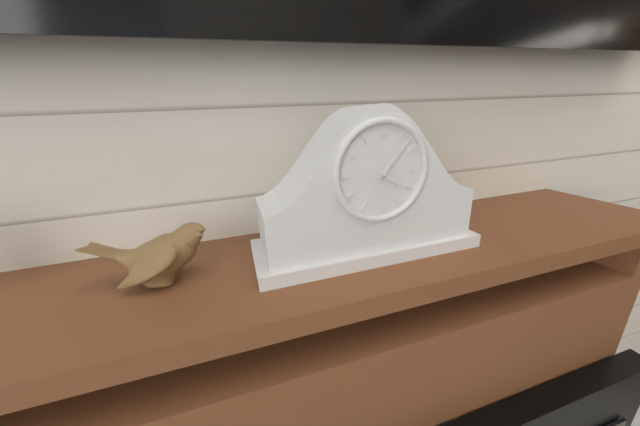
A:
4 h 07 min
